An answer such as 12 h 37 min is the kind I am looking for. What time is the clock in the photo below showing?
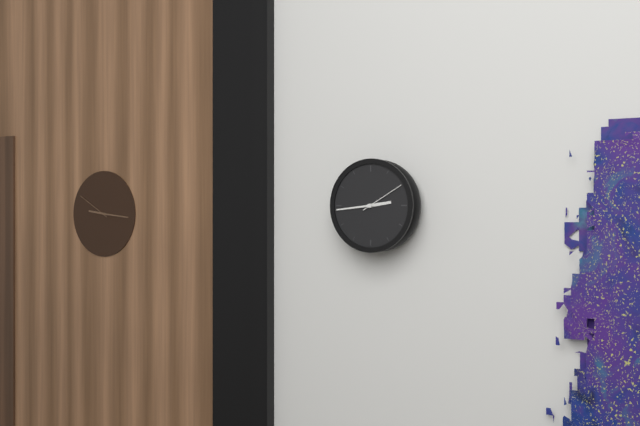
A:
2 h 44 min
